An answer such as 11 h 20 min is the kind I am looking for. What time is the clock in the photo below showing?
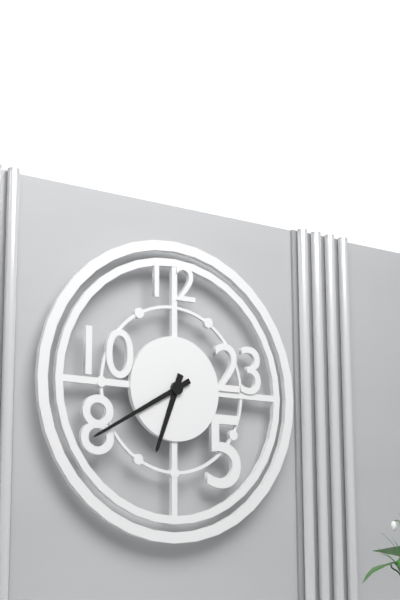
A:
6 h 40 min
